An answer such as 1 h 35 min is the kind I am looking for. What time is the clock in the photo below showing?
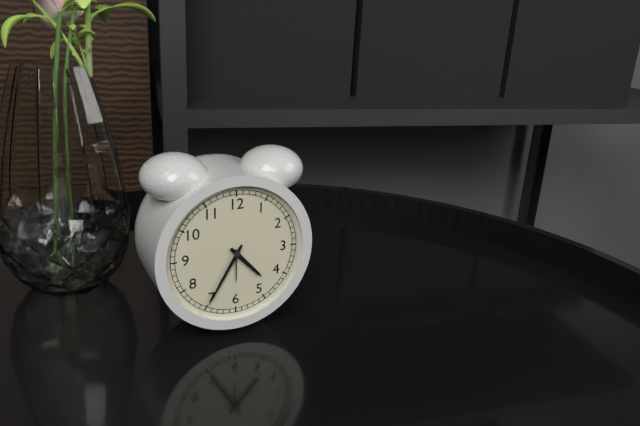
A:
4 h 35 min
